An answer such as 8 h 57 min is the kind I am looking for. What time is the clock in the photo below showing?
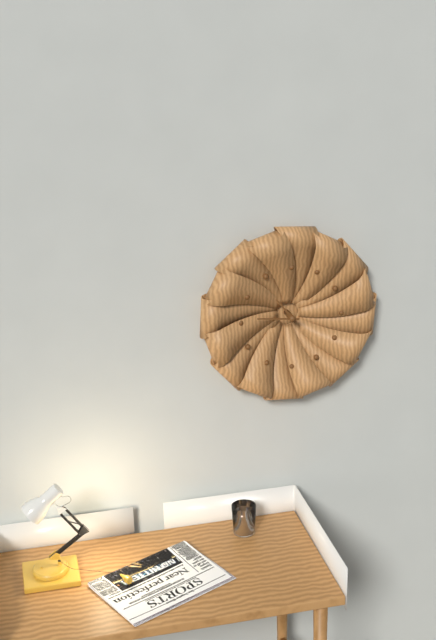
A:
10 h 46 min
